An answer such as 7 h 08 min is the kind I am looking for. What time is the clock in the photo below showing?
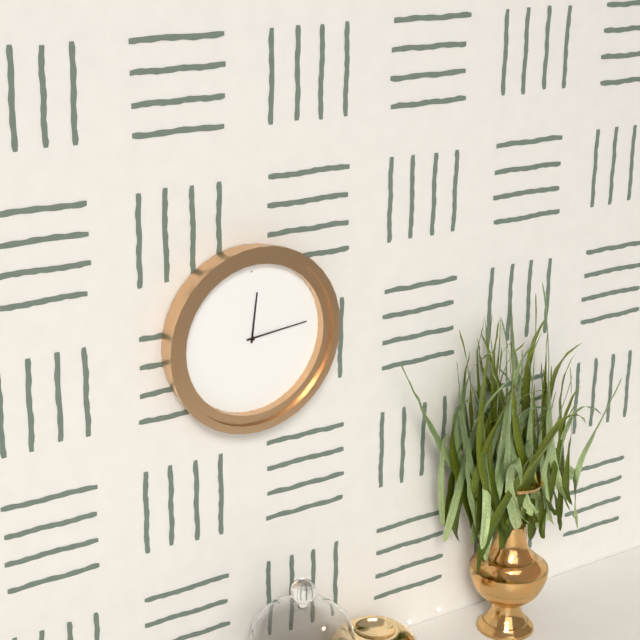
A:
12 h 14 min
